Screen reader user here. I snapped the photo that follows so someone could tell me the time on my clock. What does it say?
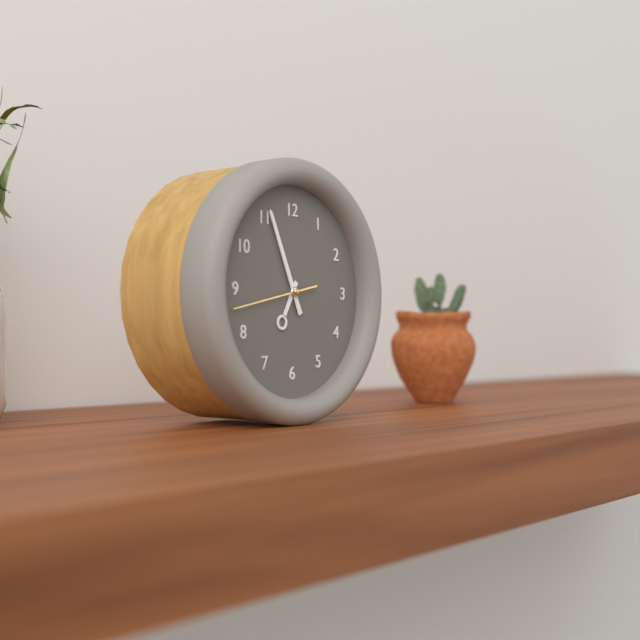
6:56
